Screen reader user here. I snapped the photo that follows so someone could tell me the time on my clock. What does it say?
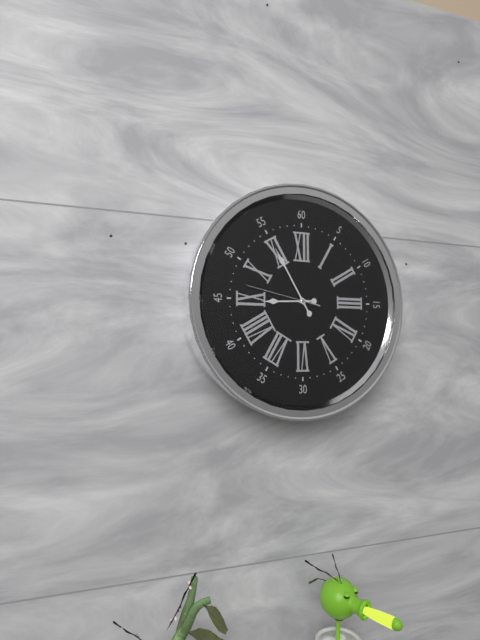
8:55:47
